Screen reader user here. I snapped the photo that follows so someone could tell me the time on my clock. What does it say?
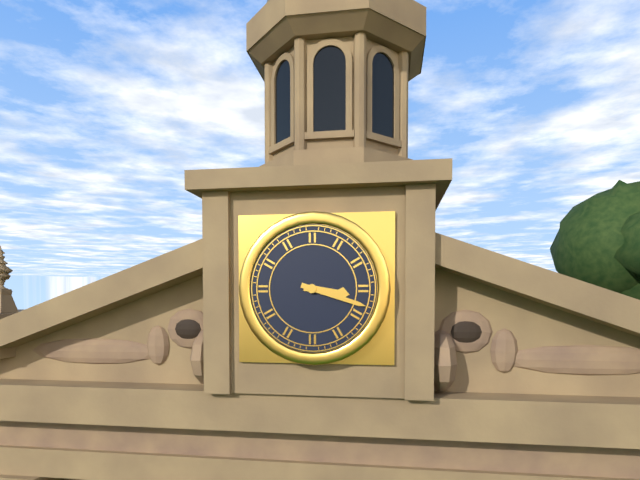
3:18
